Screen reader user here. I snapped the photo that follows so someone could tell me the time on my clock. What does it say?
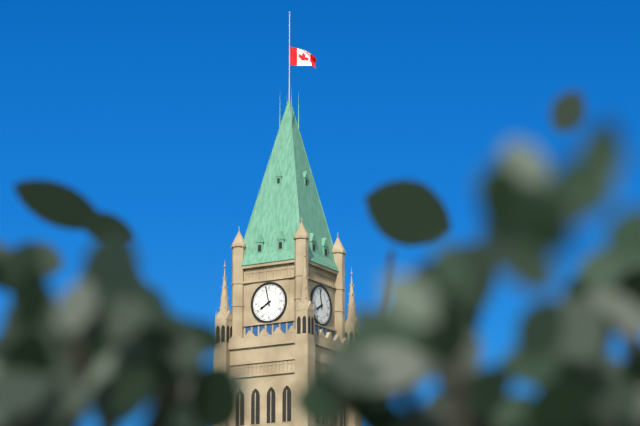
7:58
